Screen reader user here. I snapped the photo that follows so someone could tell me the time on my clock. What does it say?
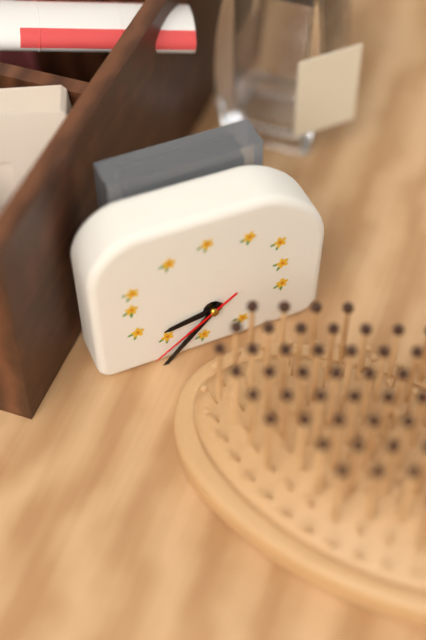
8:37:39
